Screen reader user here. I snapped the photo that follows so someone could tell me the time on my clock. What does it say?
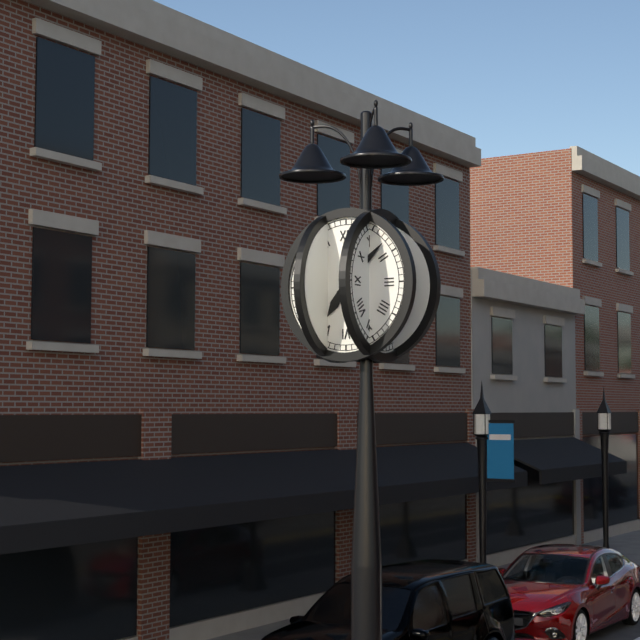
7:08
